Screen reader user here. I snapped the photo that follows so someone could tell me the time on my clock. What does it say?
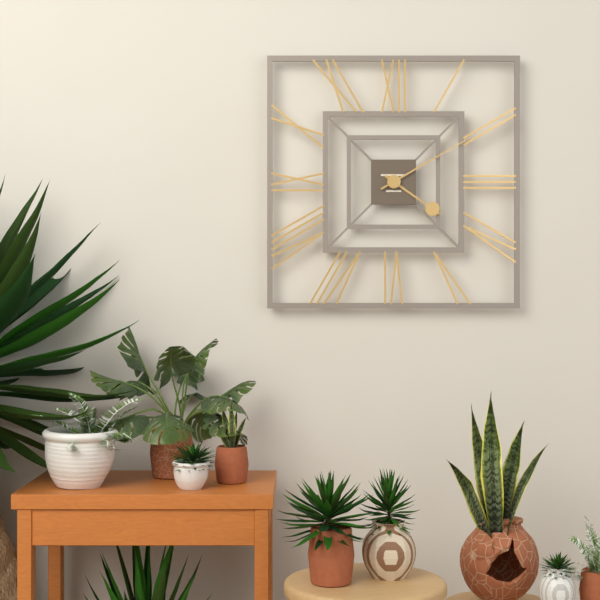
4:10
